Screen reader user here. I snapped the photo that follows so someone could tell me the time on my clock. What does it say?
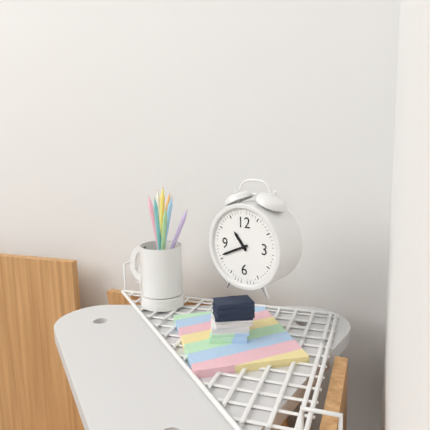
10:41
